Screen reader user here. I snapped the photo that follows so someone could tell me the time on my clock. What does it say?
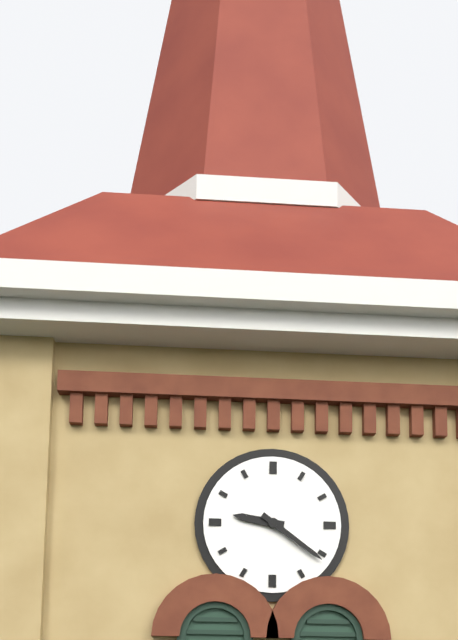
9:21
